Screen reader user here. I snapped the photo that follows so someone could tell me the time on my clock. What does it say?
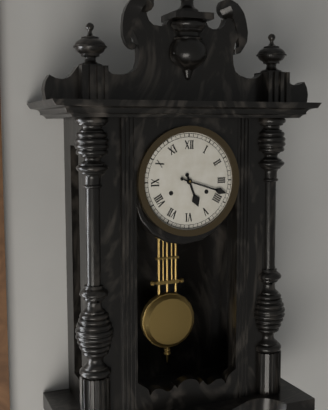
5:18
